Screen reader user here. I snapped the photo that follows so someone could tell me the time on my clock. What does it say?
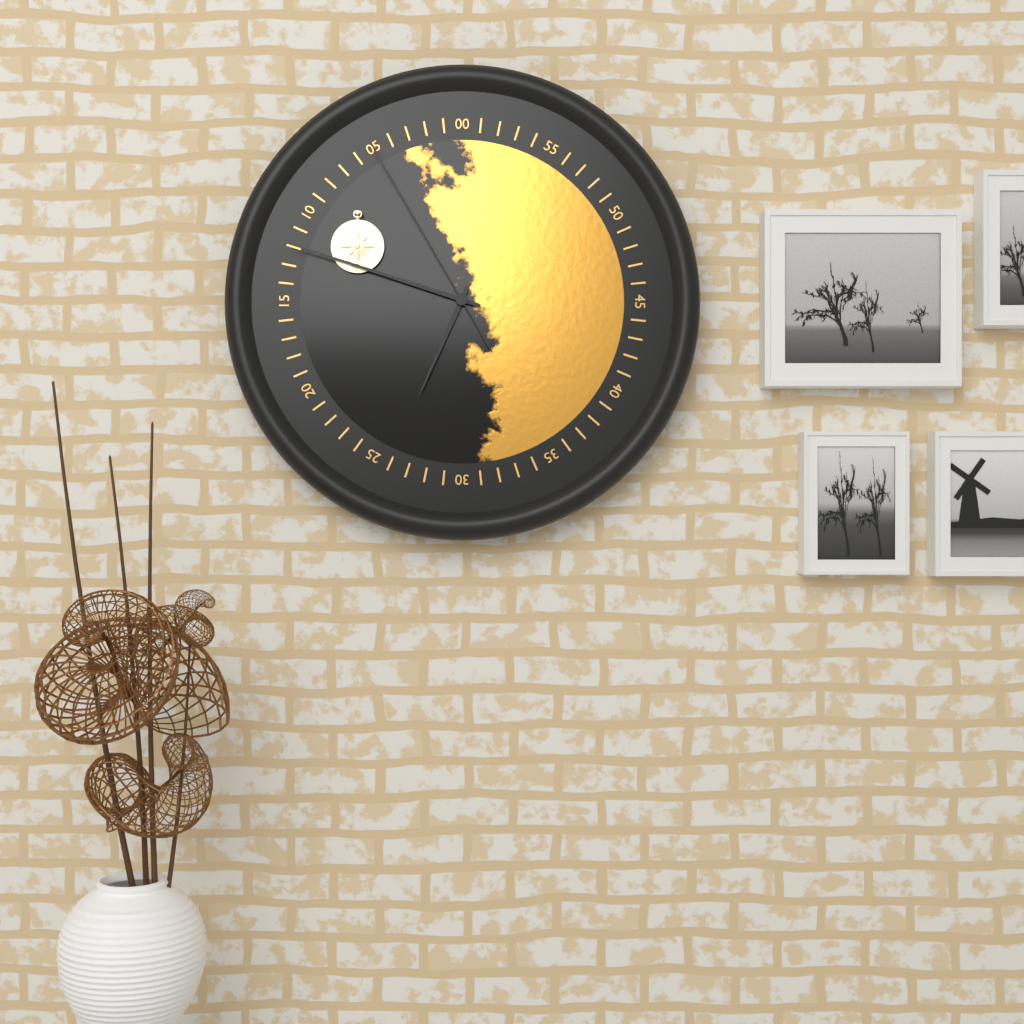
6:48:55
